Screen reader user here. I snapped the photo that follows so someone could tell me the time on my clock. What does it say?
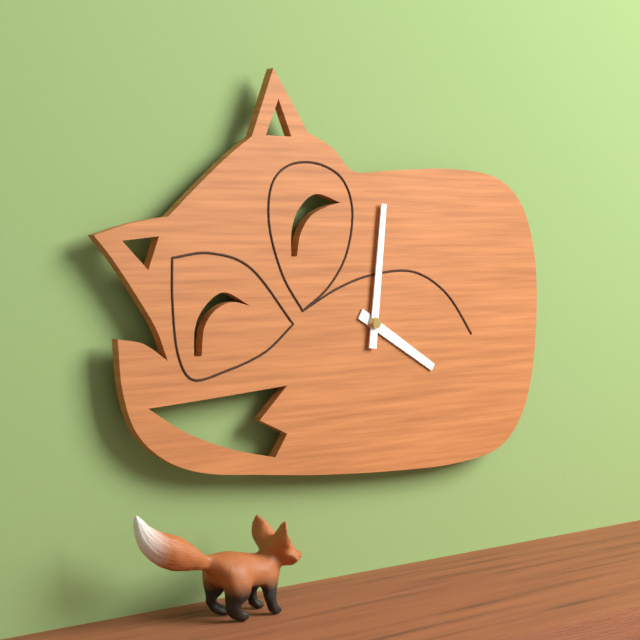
4:01
